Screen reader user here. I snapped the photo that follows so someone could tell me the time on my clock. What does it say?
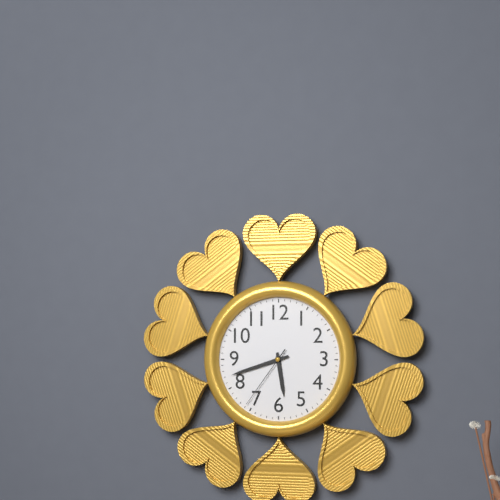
5:42:36
